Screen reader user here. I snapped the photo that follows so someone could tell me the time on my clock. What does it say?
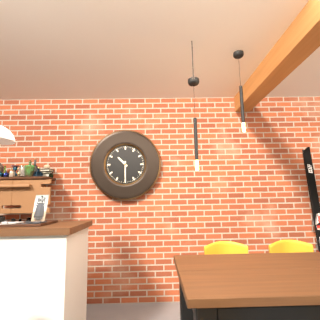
10:30
